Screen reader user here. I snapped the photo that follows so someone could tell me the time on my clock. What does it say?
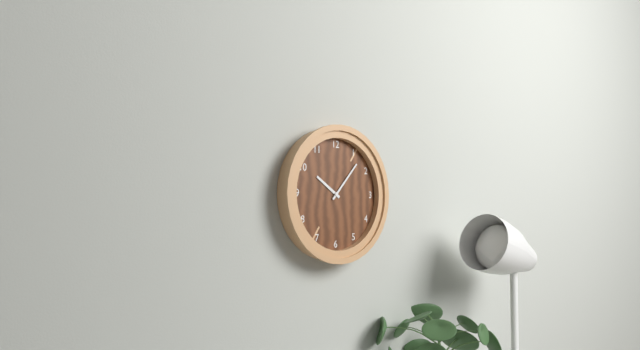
10:07
